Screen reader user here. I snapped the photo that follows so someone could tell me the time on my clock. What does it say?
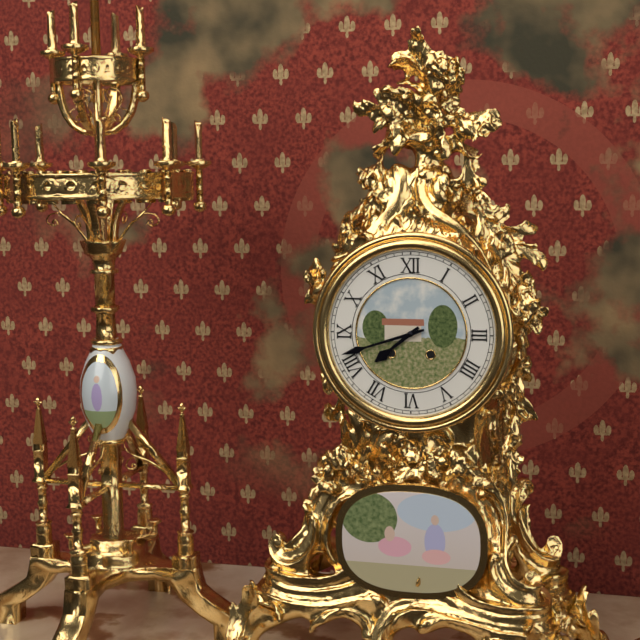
7:42
